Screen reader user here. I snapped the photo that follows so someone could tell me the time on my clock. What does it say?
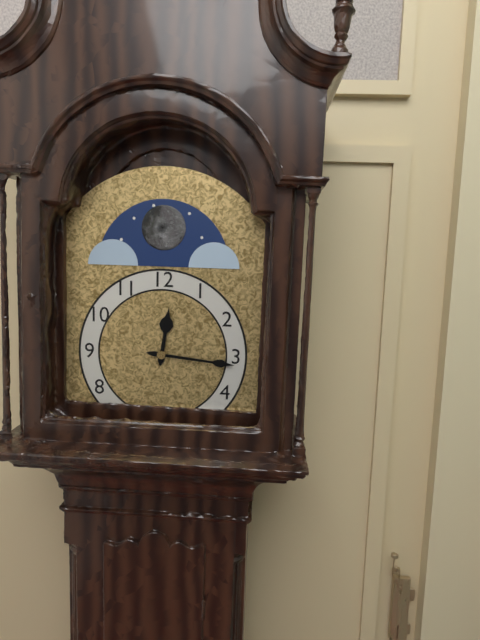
12:16
